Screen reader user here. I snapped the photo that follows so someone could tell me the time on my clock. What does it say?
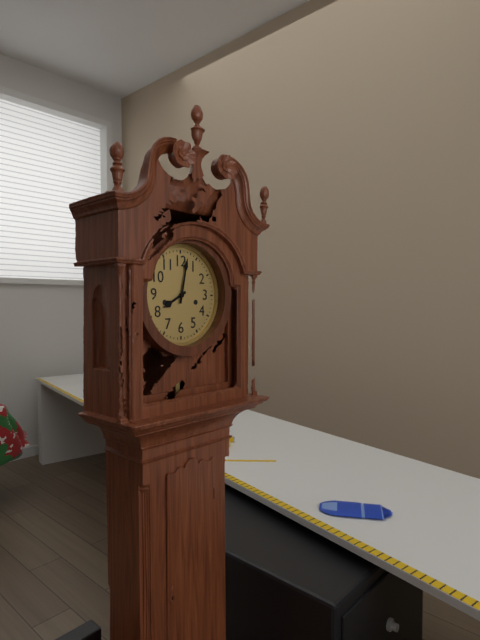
8:02
